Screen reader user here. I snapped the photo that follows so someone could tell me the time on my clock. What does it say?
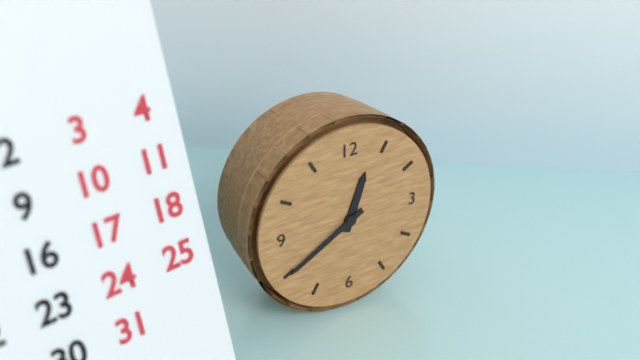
12:40
